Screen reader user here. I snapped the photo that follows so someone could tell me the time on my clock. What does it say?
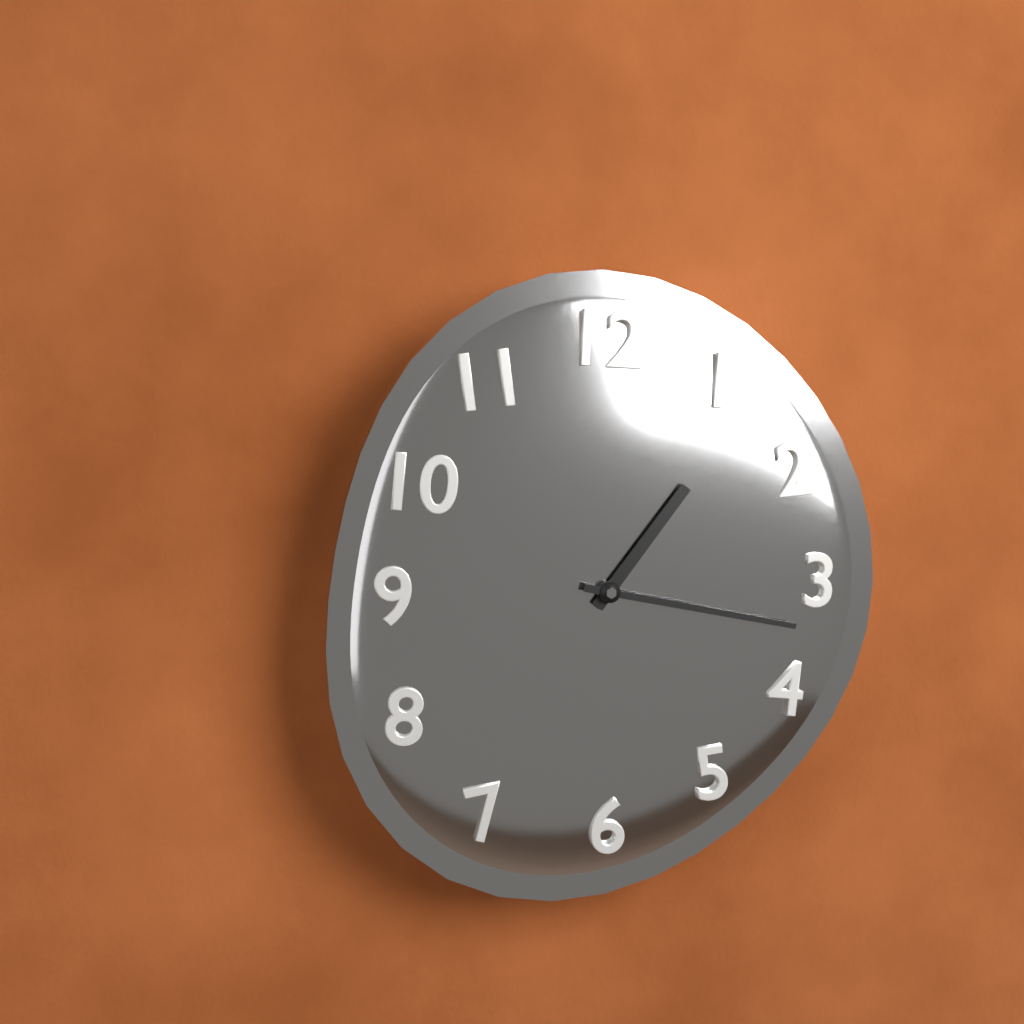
1:17
